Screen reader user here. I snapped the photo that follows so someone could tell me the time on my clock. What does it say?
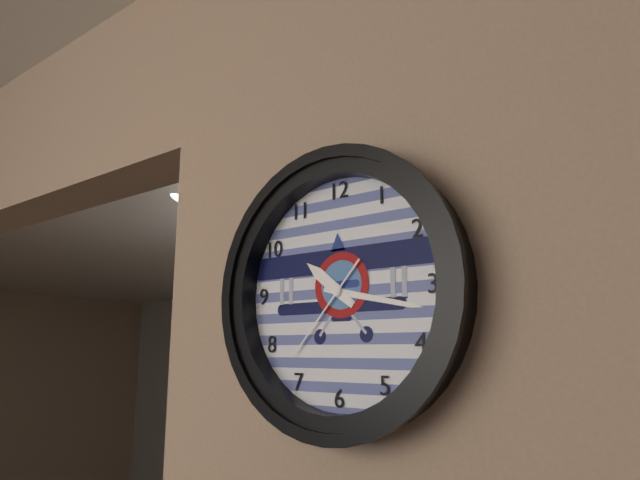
10:17:37
